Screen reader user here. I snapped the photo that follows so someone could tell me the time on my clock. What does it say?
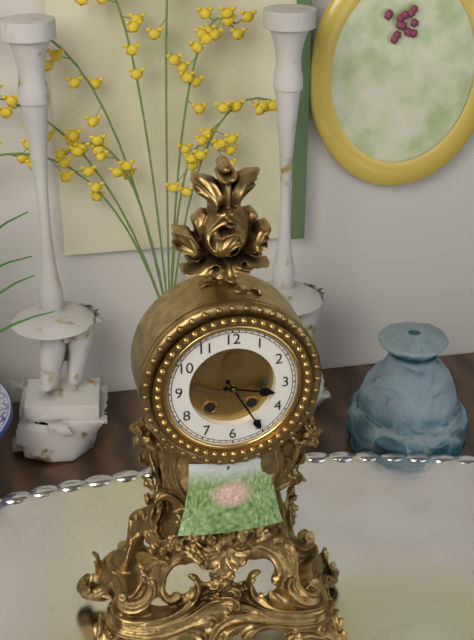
3:25
